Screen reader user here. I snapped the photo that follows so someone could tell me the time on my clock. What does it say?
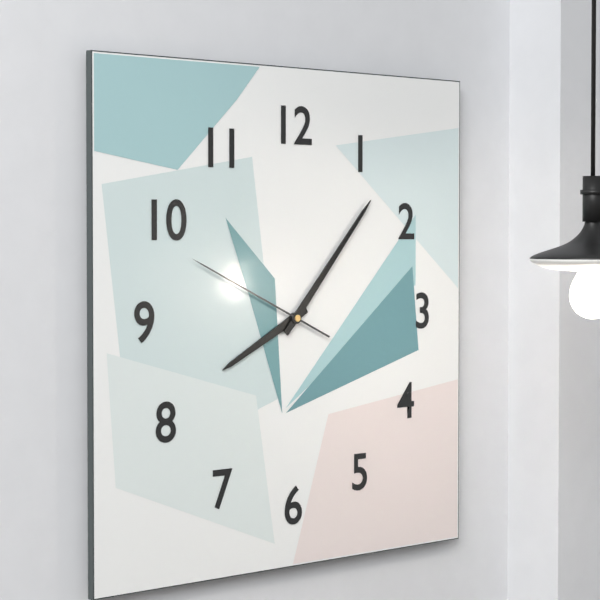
8:07:49
